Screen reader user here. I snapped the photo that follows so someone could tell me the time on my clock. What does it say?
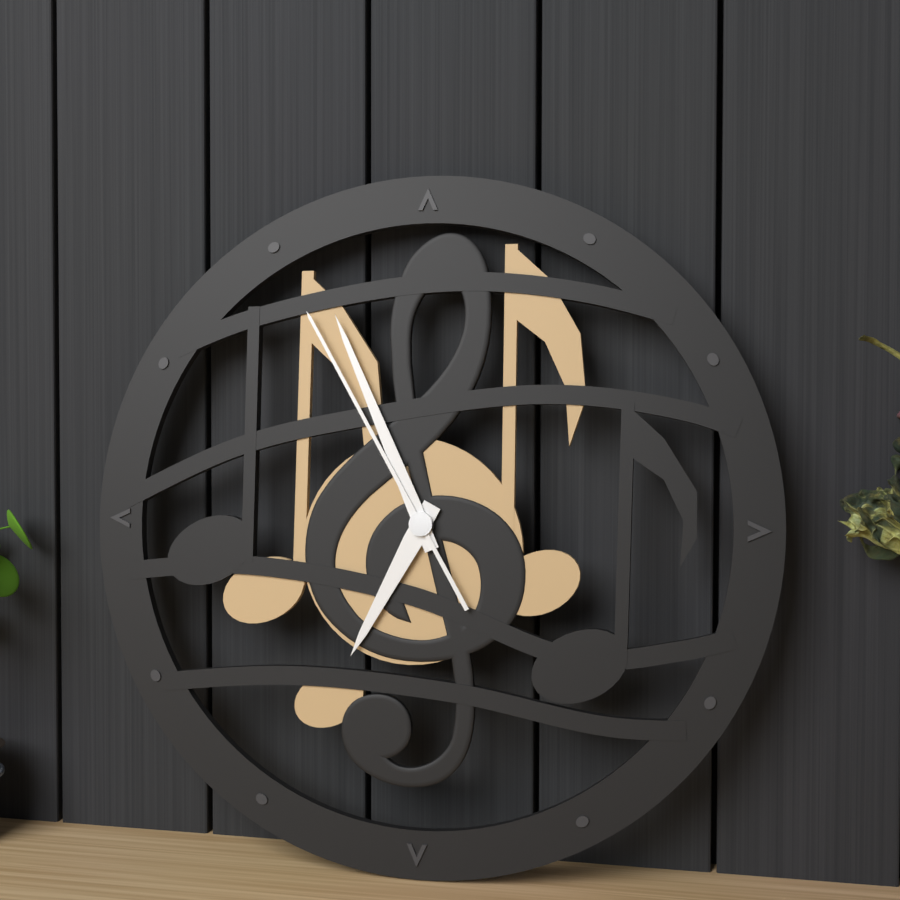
6:56:55
